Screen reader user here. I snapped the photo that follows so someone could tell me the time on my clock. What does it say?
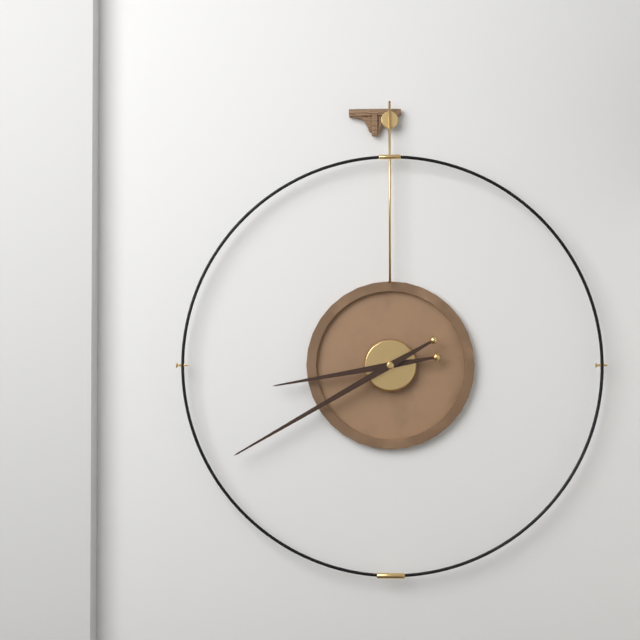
8:40
